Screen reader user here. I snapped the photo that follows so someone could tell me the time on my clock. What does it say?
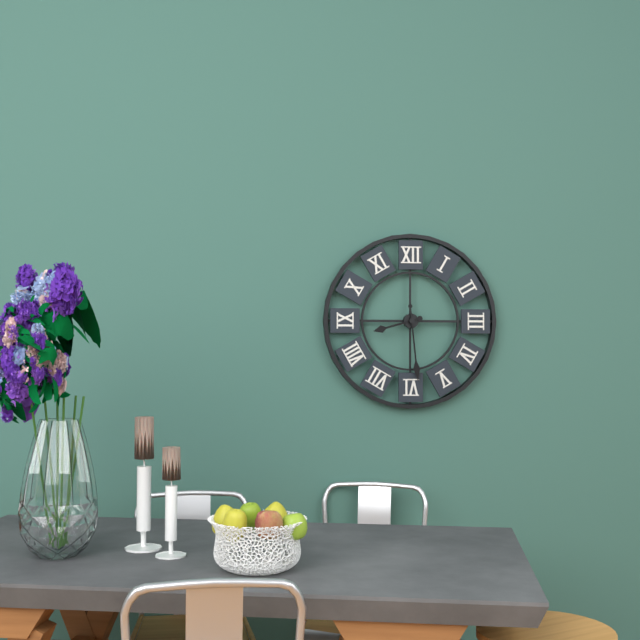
8:29
